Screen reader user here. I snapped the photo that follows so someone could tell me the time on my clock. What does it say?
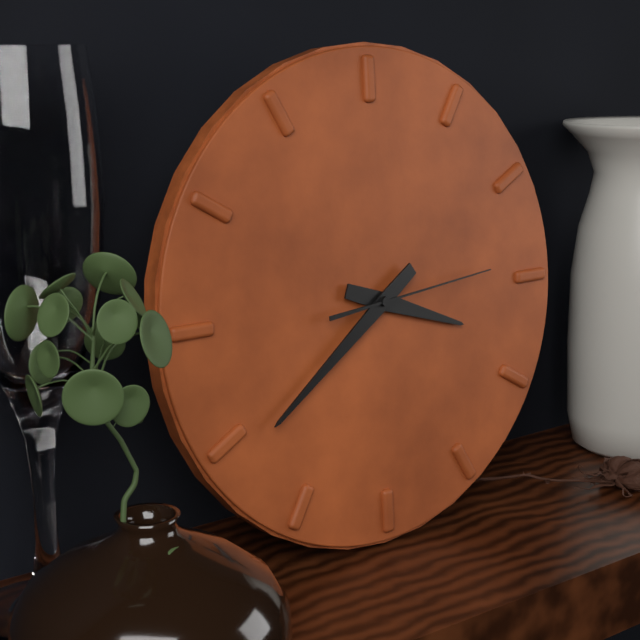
3:39:14
